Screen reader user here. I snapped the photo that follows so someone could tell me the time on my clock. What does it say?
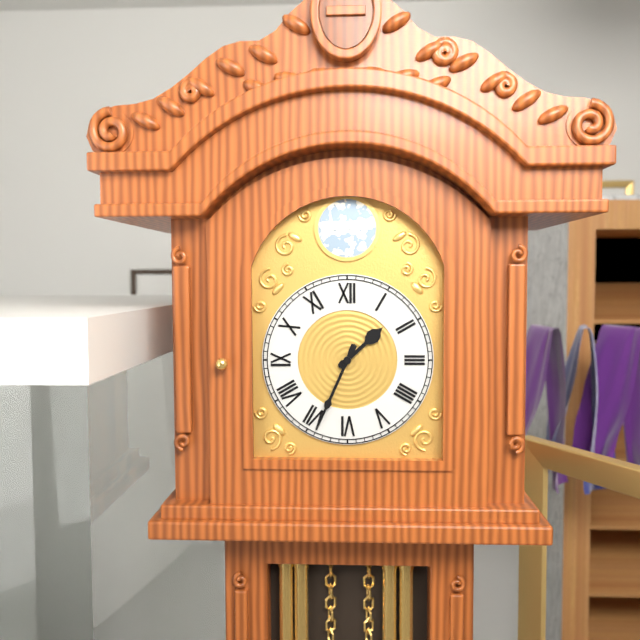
1:34
